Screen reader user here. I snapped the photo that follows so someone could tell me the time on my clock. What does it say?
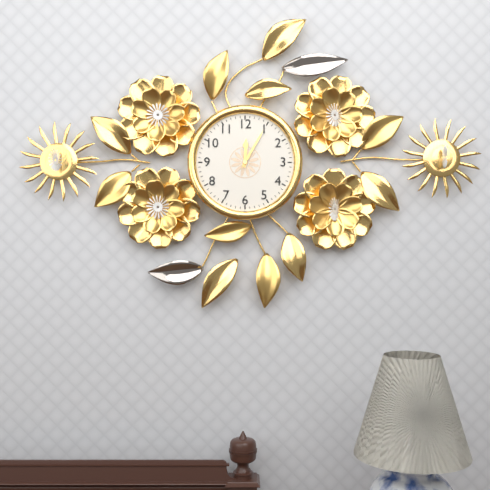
12:05
